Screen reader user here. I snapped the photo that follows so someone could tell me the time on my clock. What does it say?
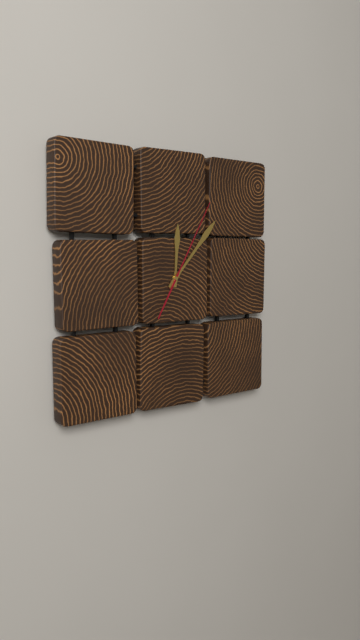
12:07:05
